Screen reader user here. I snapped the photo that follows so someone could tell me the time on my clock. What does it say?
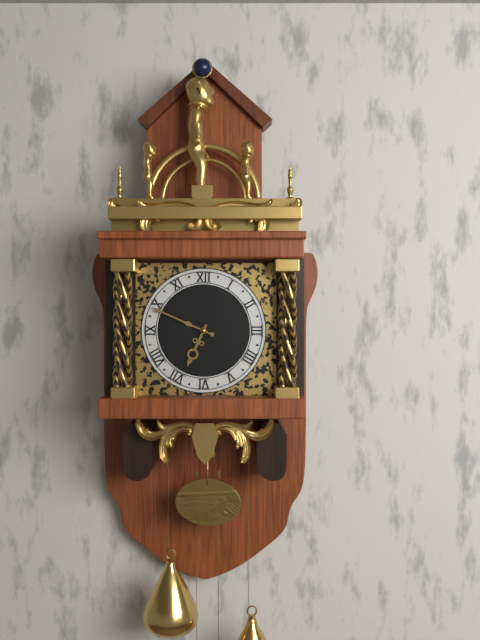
6:49
